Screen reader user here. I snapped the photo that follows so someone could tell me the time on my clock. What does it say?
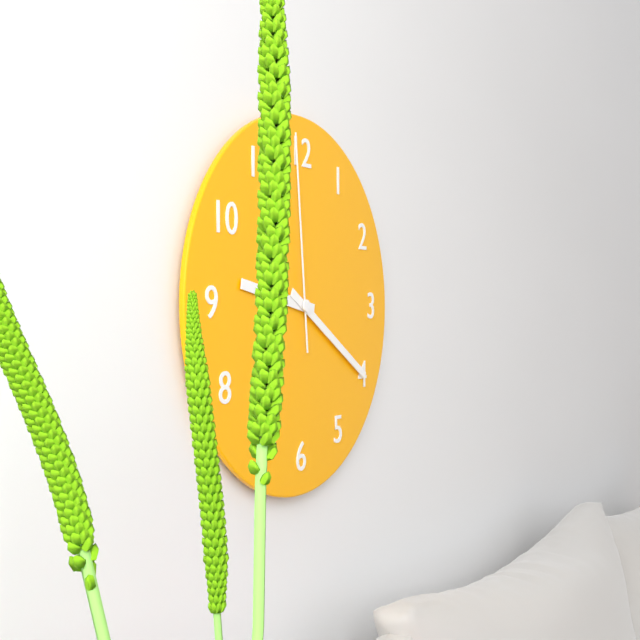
9:20:59
